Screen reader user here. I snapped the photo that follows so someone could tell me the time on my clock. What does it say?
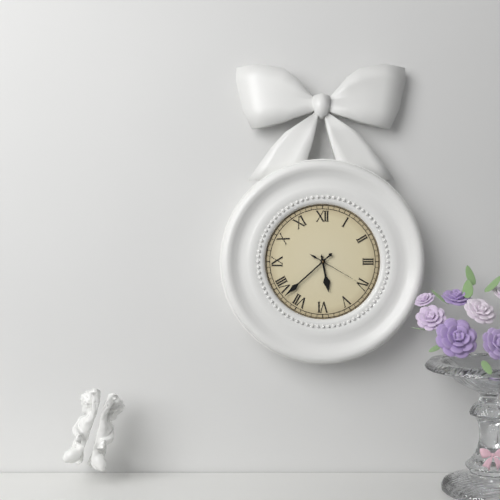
5:38:20
